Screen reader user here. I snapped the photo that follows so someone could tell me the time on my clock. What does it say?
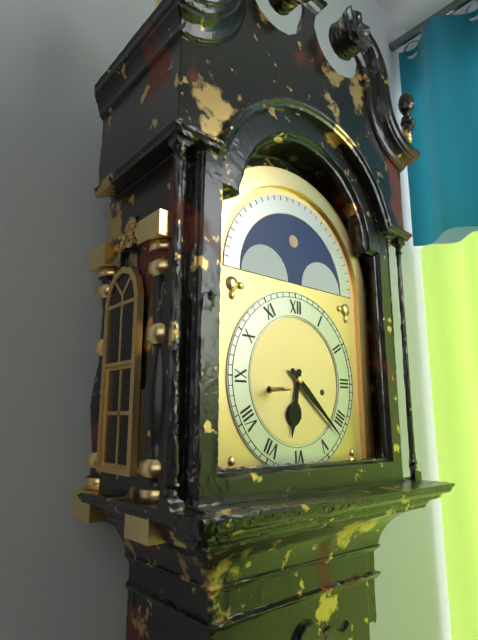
6:22
